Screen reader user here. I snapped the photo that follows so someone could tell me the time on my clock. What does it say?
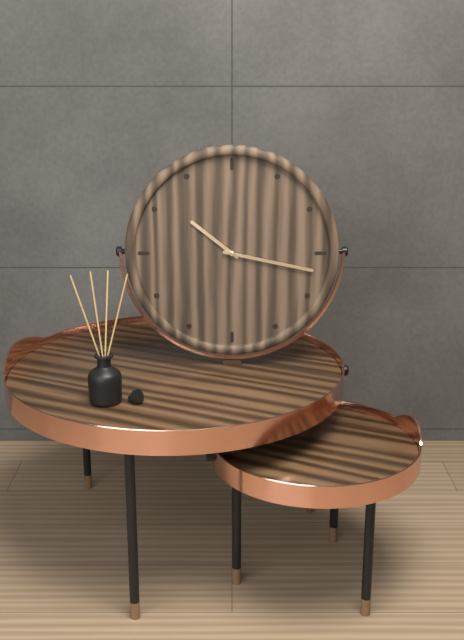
10:17
